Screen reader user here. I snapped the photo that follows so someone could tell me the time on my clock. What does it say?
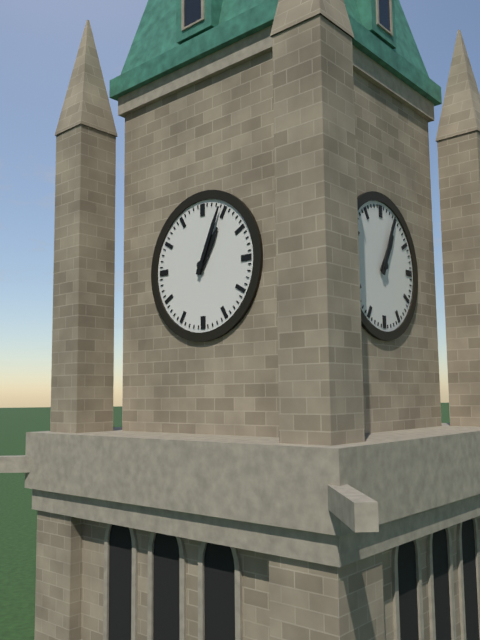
1:04
